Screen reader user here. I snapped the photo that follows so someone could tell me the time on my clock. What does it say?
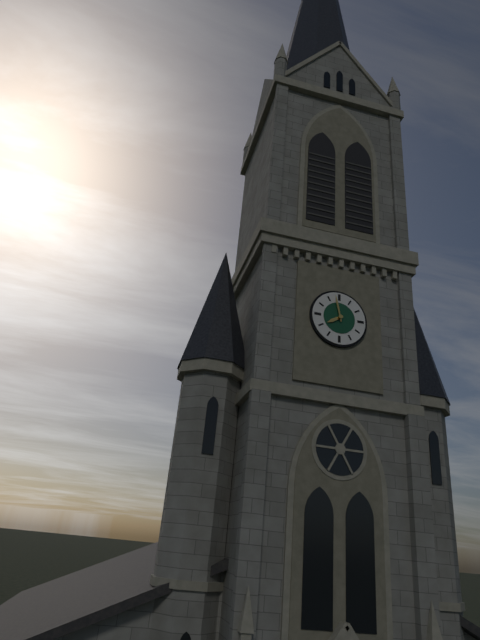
7:58
